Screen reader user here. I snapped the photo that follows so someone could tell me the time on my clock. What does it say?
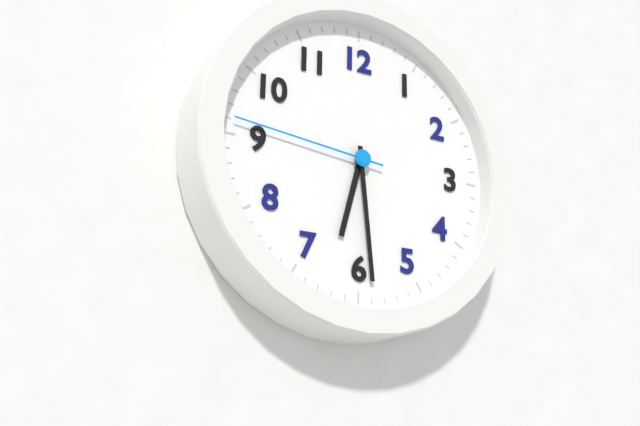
6:29:46
